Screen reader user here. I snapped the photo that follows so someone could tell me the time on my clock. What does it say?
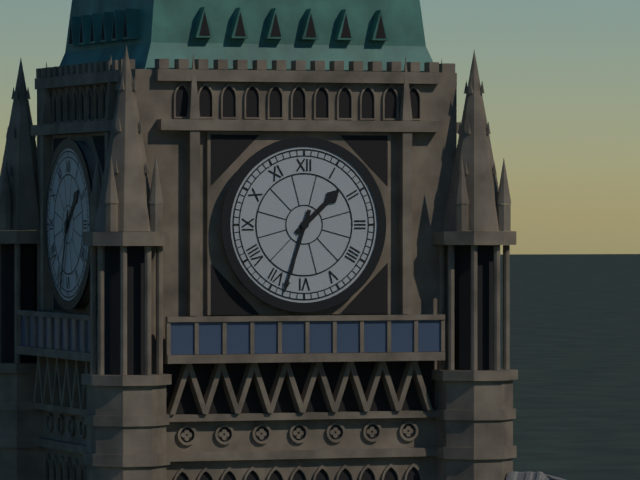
1:33
